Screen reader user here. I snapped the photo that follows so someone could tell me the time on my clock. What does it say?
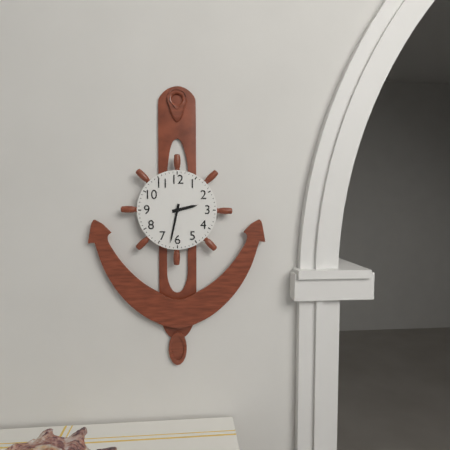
2:32
